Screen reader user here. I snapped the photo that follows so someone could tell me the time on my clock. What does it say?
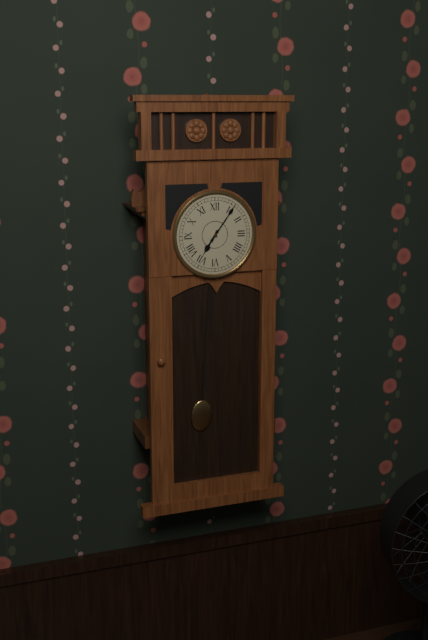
7:06
